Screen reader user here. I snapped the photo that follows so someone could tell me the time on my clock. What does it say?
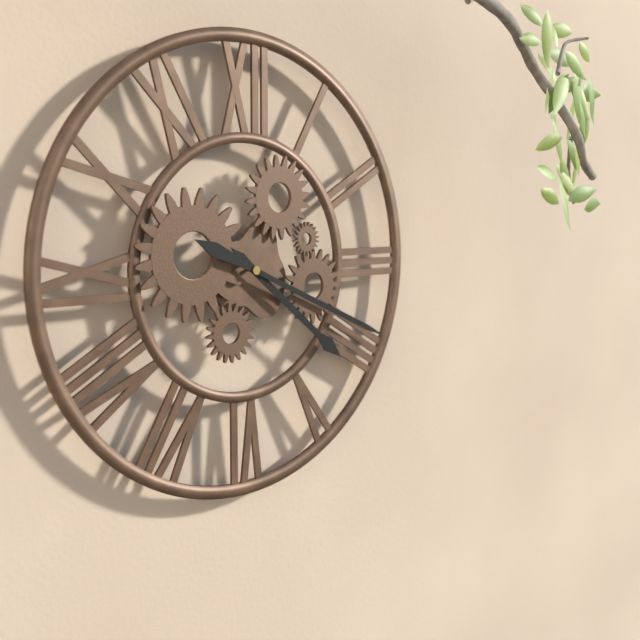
4:19
